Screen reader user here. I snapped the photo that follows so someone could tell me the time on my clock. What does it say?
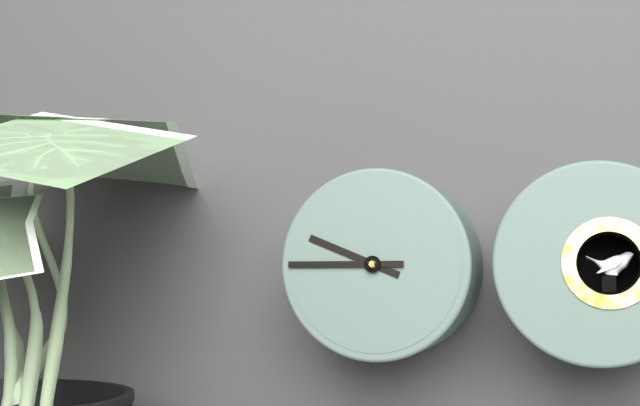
9:45
